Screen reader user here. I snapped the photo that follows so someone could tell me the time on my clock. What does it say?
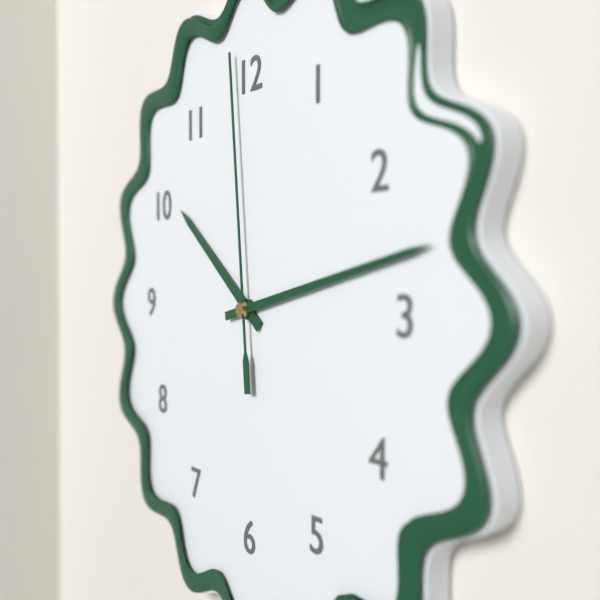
10:13:59
